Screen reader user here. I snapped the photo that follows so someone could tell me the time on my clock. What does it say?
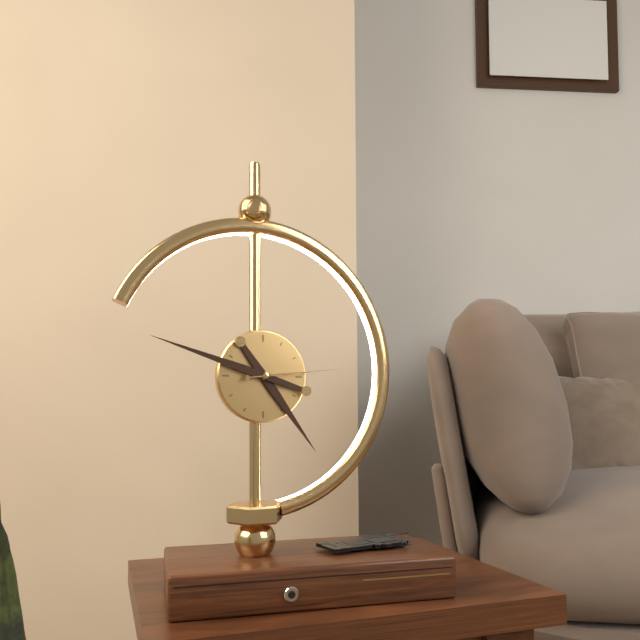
4:48:14
